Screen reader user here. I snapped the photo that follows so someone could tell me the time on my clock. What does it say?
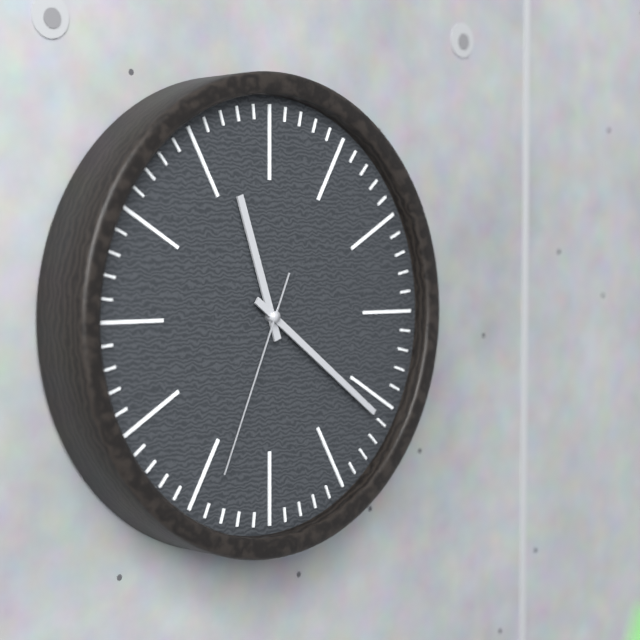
11:21:34
